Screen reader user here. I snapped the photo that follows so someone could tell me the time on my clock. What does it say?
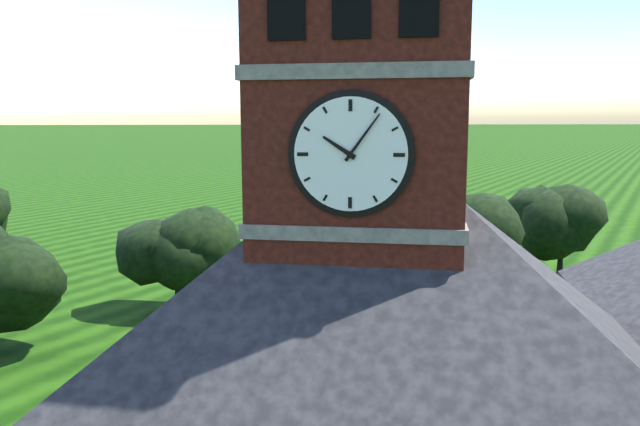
10:06
